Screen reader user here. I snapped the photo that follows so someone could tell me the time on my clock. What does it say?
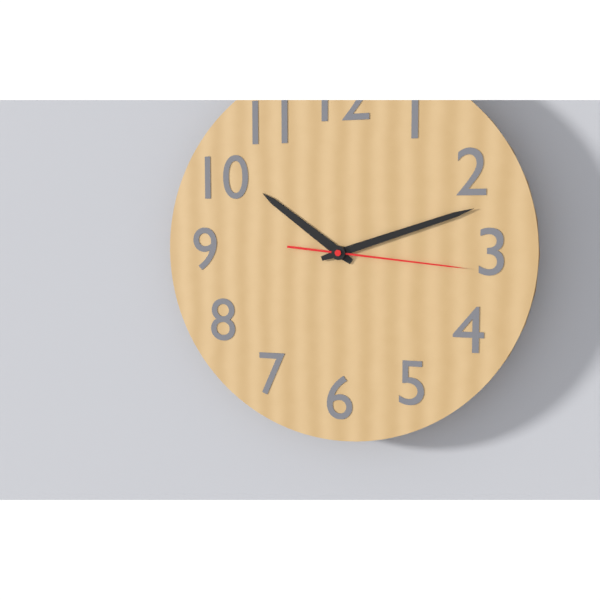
10:12:16
